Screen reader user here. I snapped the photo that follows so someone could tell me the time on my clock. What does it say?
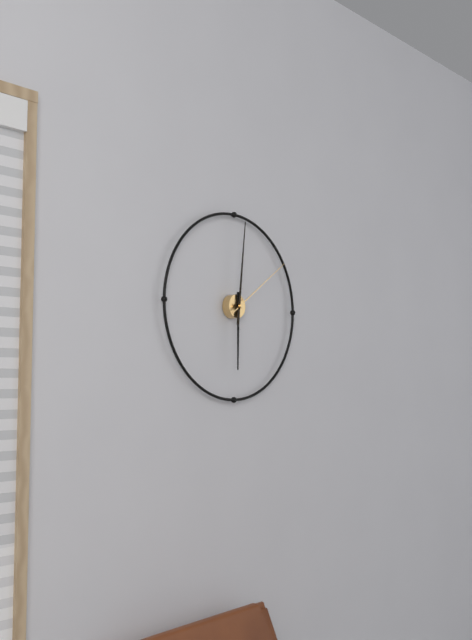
6:01:09
